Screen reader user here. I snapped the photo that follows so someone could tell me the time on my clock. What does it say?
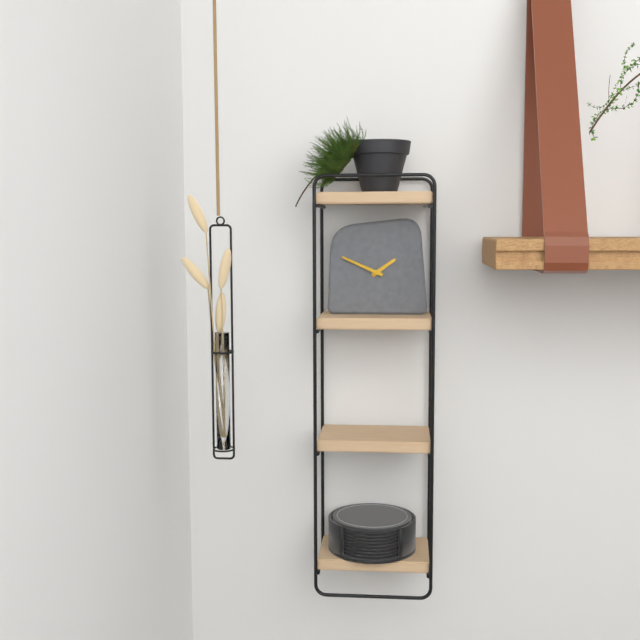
1:49
